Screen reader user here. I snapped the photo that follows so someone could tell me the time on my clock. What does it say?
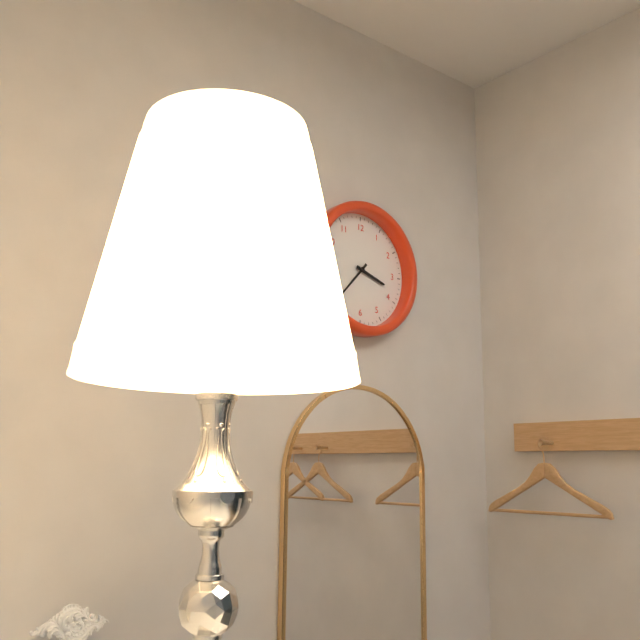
3:37
